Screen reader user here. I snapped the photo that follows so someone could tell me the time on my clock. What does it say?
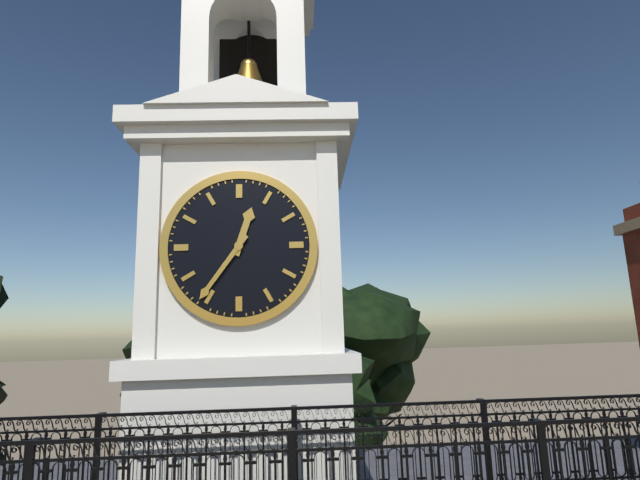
12:36
